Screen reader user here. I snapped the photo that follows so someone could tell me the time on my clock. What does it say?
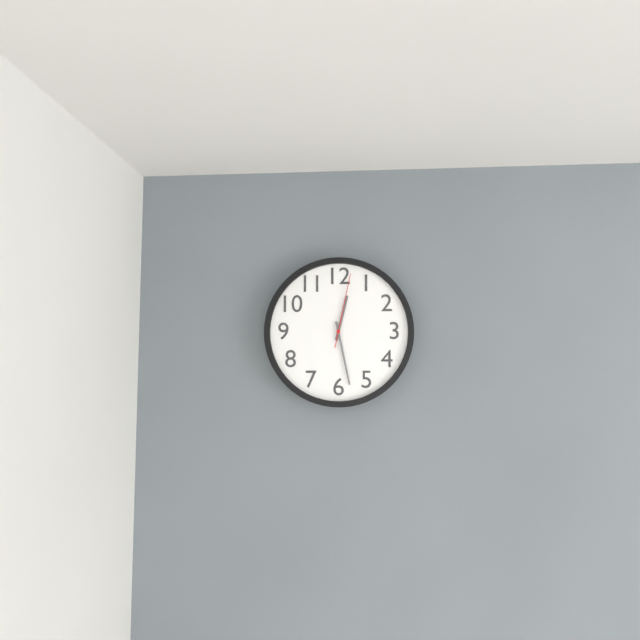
12:28:02
